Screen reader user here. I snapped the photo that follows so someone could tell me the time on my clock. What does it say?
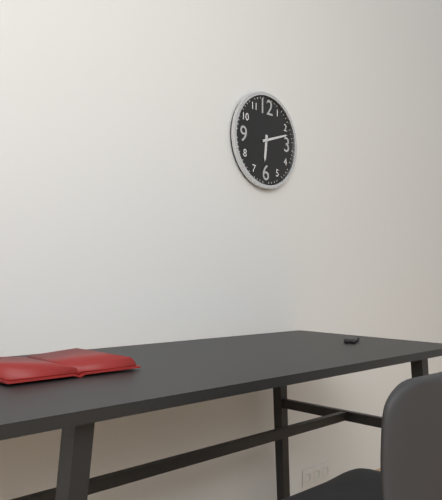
6:12
